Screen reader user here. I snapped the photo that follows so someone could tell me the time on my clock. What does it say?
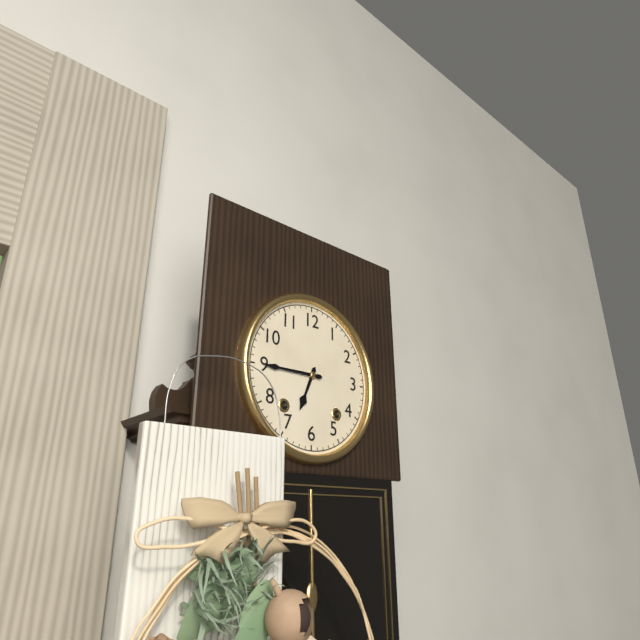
6:45
